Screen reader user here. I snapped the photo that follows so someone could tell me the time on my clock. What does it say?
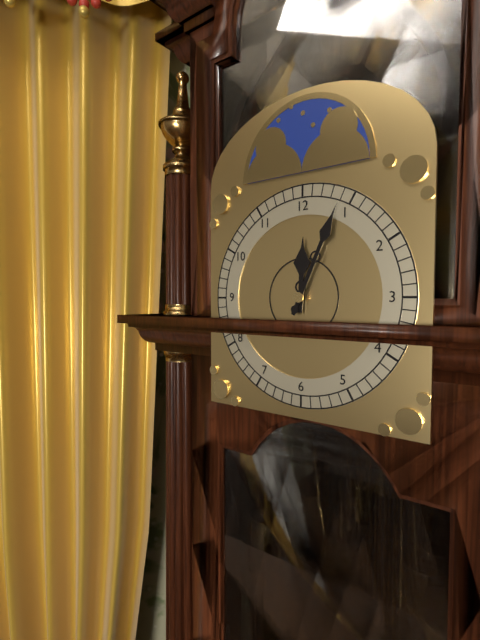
12:04
